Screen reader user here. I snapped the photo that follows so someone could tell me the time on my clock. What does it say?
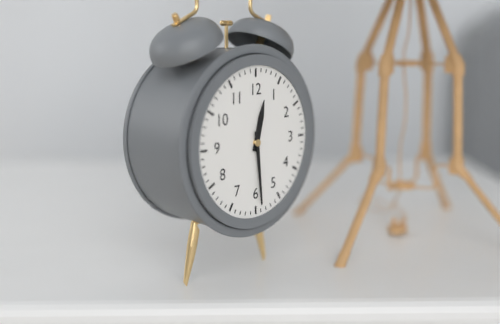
12:29
